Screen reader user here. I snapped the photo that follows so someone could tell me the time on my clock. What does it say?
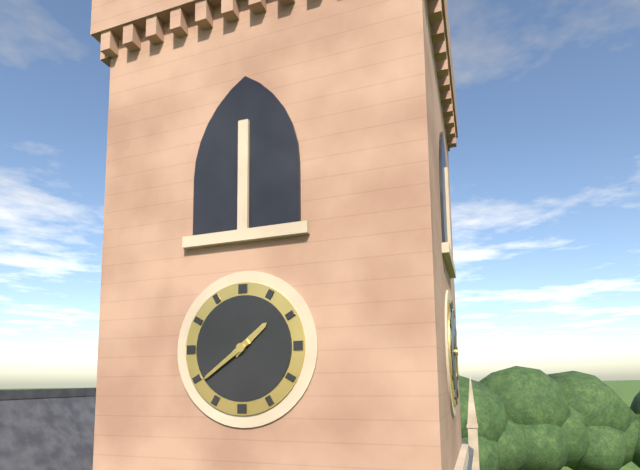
1:39
